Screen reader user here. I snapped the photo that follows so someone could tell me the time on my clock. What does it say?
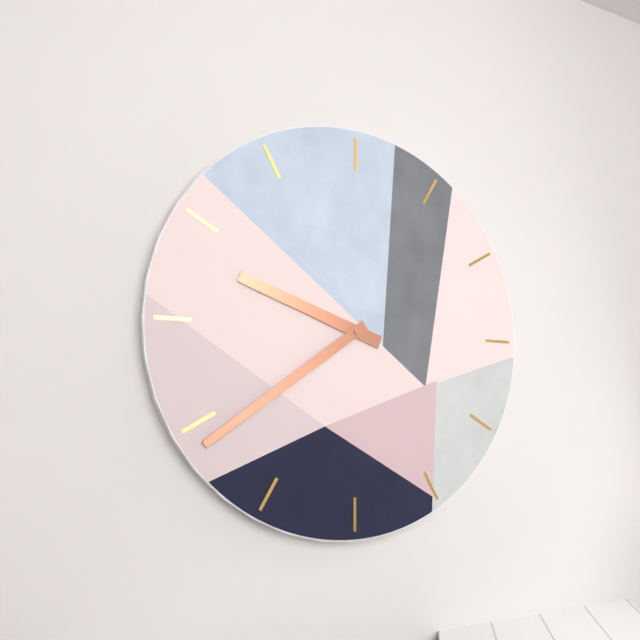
9:39
